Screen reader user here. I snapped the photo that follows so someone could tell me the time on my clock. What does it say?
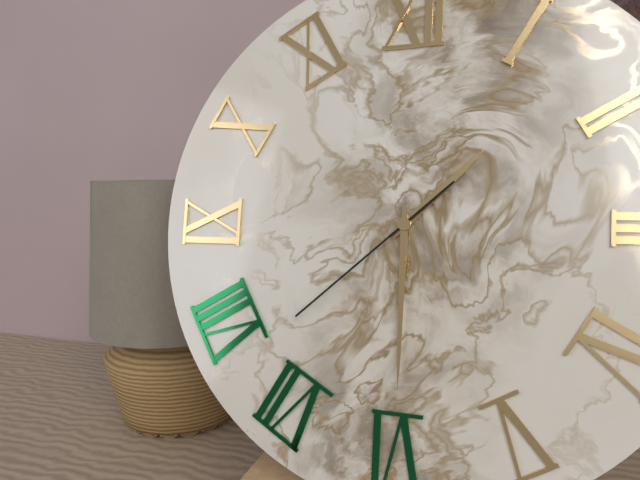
1:30:38
